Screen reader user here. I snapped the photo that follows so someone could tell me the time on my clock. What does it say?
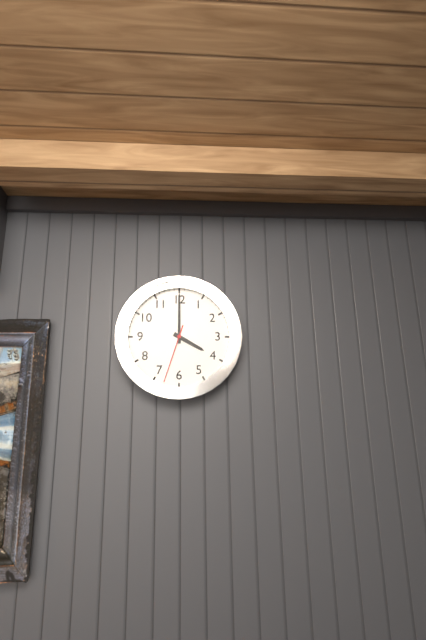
4:00:33
